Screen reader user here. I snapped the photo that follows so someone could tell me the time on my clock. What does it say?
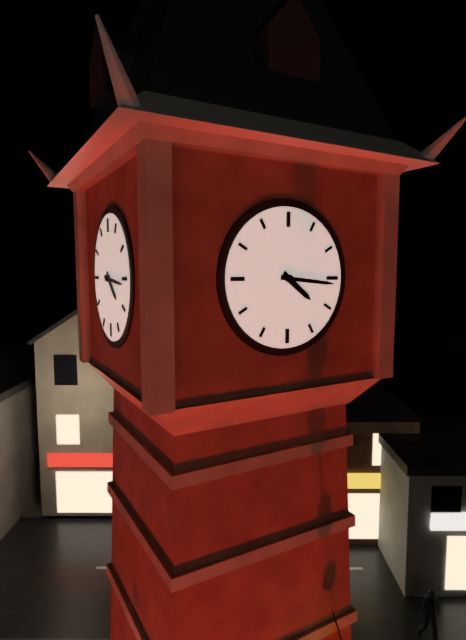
4:16
